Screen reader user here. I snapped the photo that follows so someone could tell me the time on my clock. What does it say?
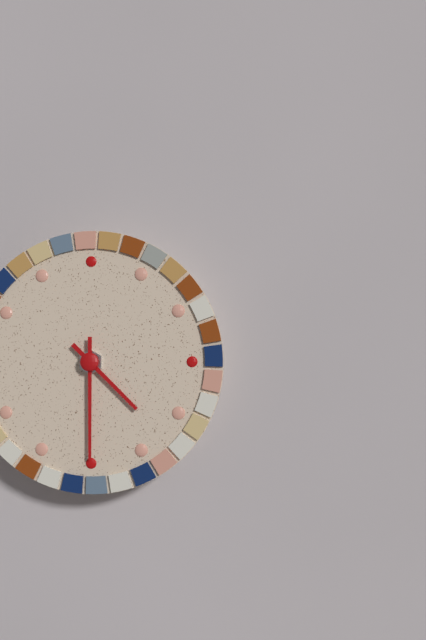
4:30
